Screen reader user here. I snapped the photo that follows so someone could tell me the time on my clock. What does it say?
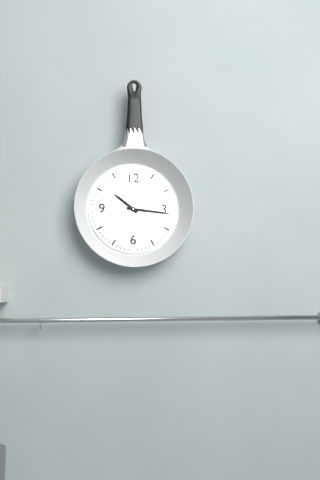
10:16
